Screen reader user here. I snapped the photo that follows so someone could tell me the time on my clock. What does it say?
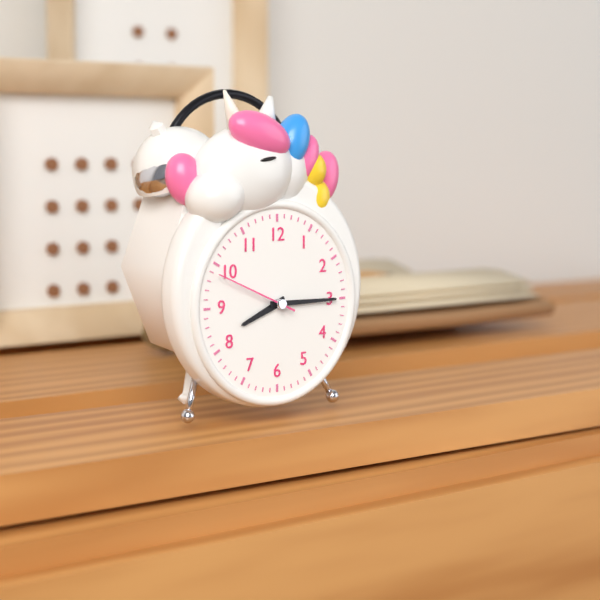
8:15:49
